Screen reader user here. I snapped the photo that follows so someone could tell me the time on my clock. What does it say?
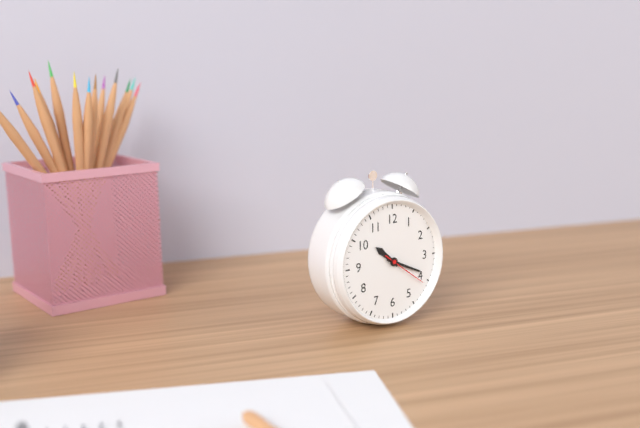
10:19
